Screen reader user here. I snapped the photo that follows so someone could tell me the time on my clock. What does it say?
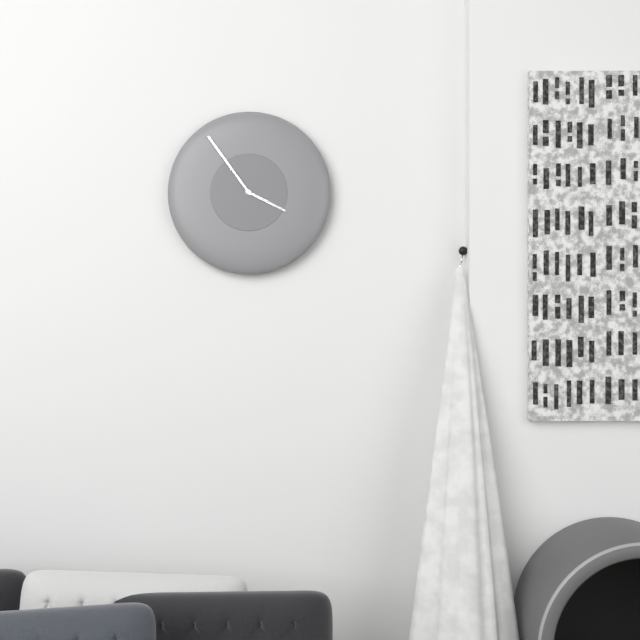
3:54
